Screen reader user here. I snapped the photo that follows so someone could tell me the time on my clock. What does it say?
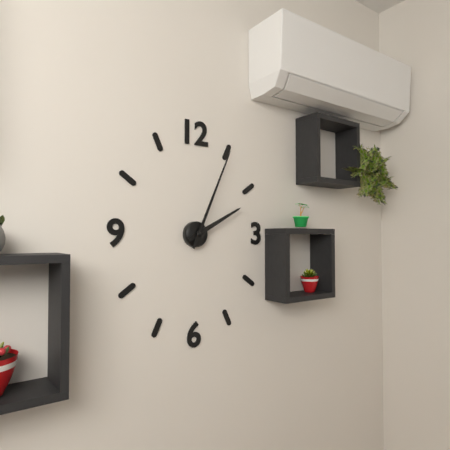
2:04
